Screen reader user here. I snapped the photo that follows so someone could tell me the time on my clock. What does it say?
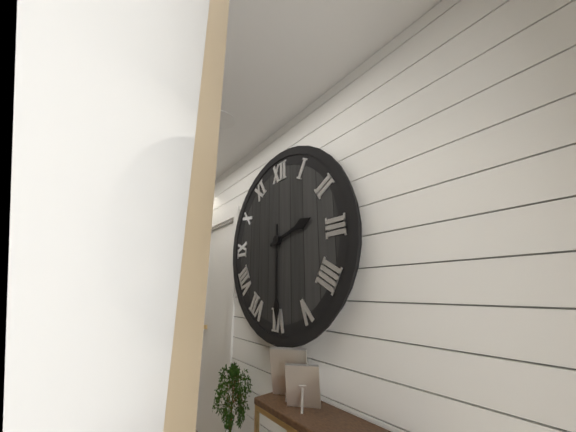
2:30
